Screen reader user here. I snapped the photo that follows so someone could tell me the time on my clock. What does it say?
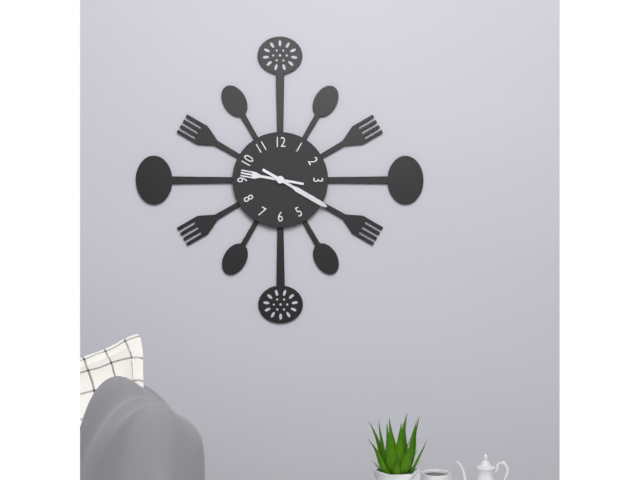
9:20
